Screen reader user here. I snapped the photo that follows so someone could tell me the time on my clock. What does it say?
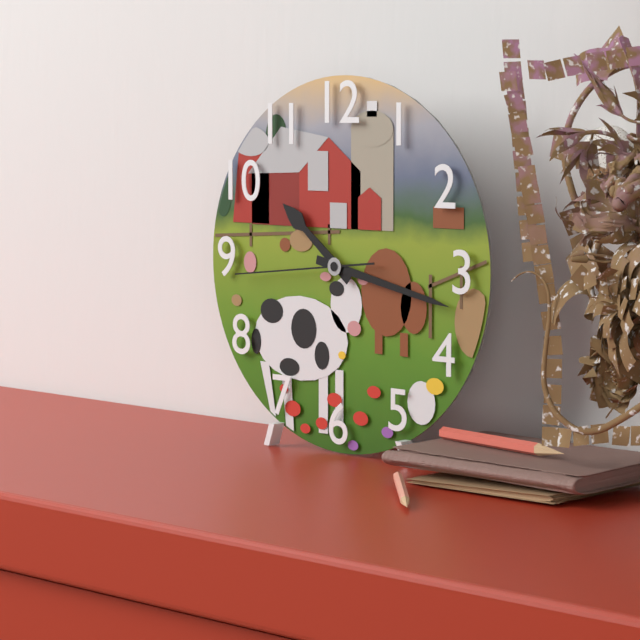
10:17:44
